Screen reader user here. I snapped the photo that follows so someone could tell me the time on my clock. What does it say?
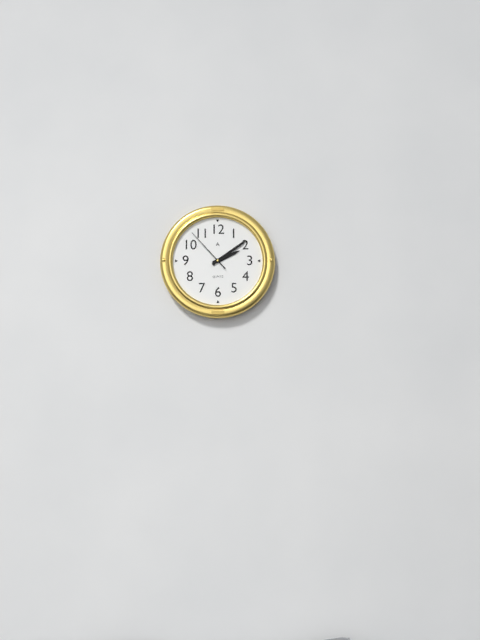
2:09:53
